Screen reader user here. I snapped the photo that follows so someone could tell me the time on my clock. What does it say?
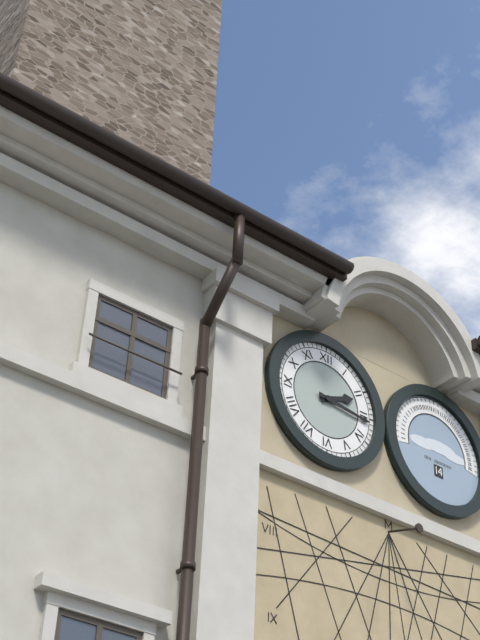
2:16
